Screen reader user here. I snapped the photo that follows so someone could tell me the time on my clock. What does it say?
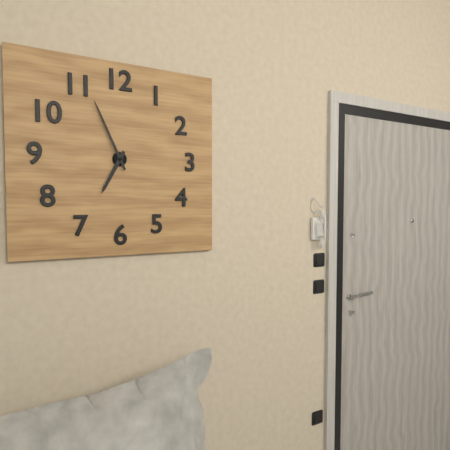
6:56
